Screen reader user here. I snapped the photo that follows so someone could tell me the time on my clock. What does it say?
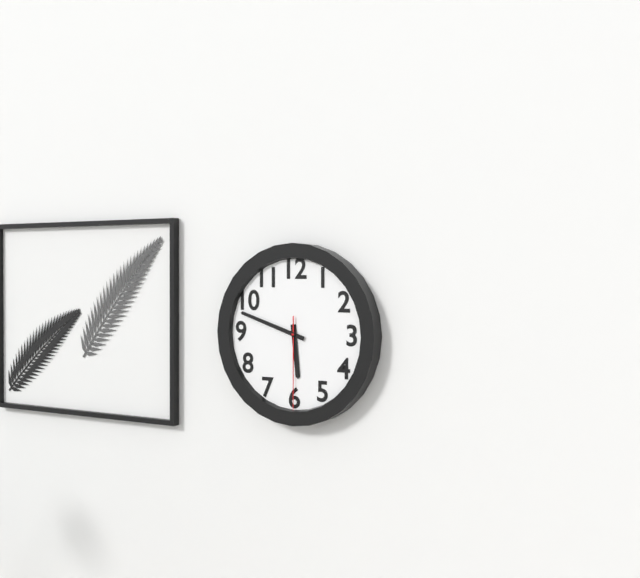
5:48:30
